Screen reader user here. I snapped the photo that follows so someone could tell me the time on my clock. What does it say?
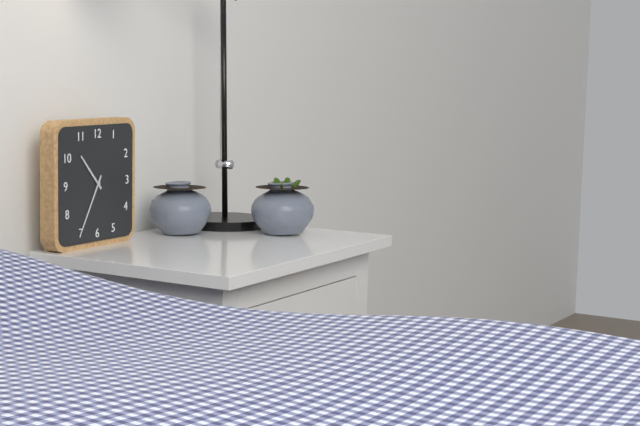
10:35
